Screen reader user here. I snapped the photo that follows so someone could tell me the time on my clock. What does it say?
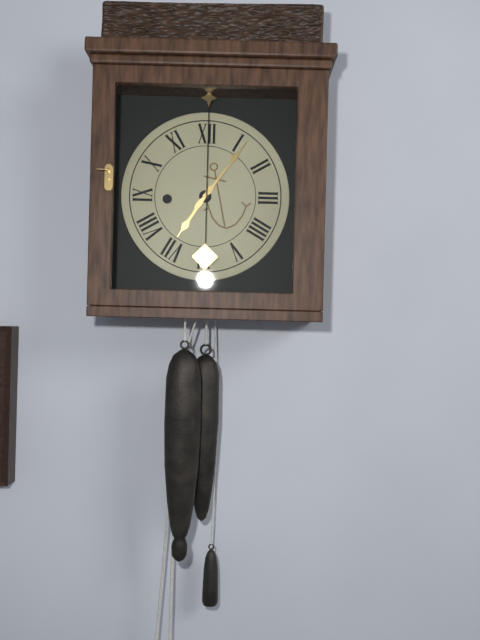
7:06
